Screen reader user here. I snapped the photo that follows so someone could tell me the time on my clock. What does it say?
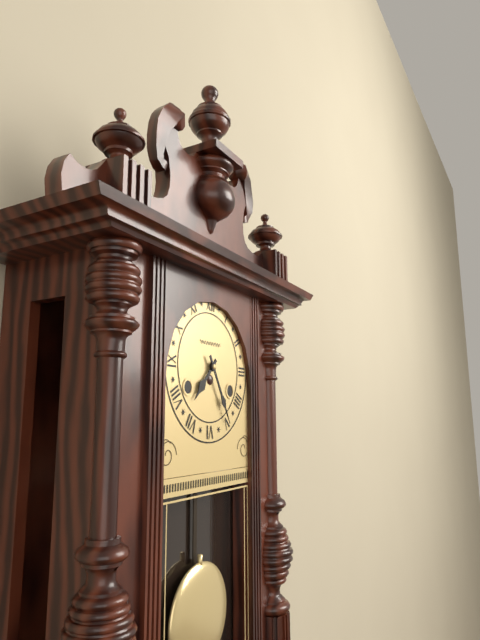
7:25
